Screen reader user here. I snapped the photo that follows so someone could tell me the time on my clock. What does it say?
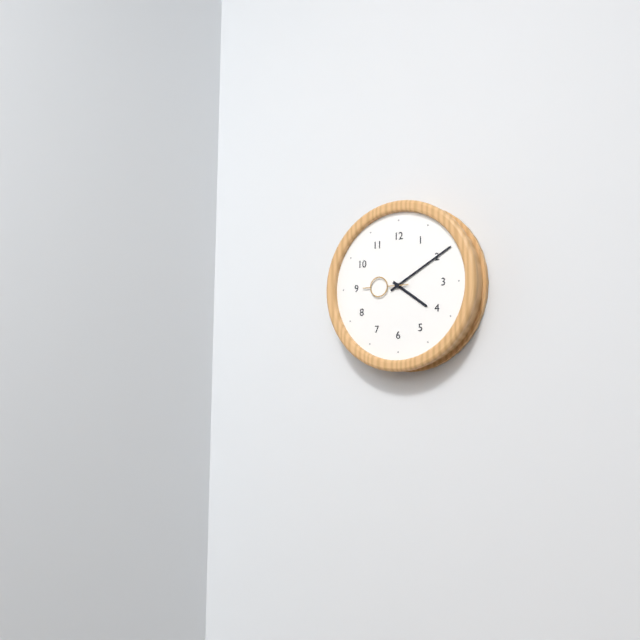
4:10
